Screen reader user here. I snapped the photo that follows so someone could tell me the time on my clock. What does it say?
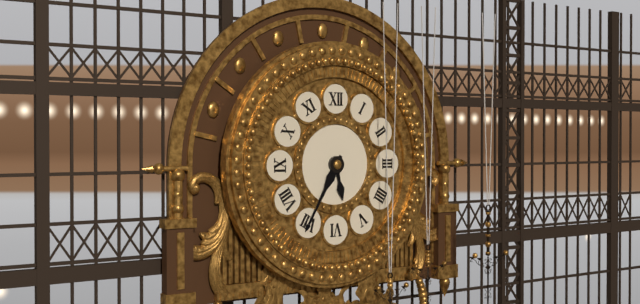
5:35
